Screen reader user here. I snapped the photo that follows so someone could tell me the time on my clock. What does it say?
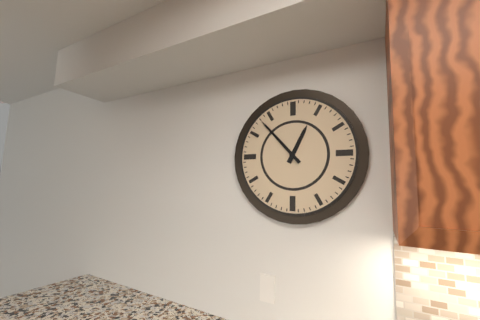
12:53
